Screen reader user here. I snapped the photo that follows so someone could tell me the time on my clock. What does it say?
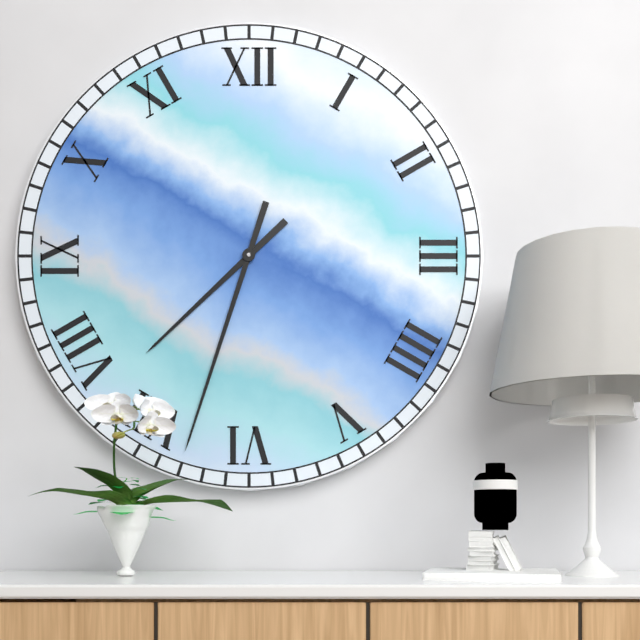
7:33
